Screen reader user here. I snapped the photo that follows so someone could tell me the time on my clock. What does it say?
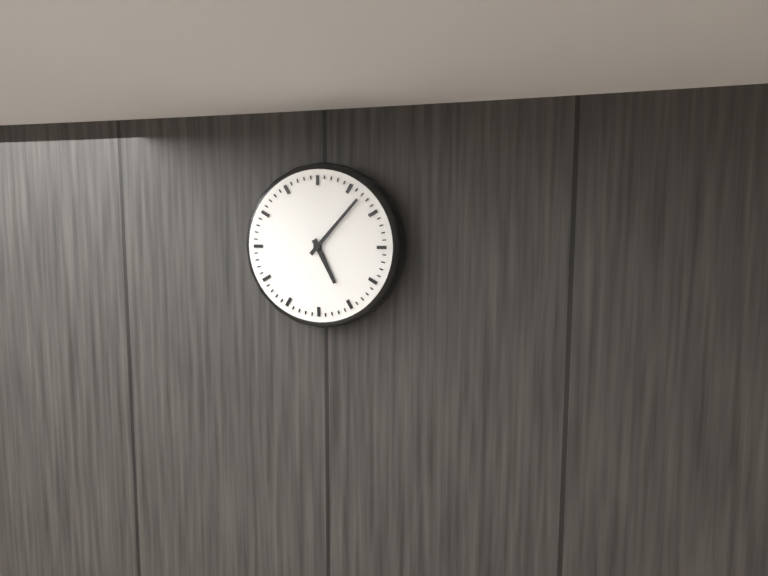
5:07
